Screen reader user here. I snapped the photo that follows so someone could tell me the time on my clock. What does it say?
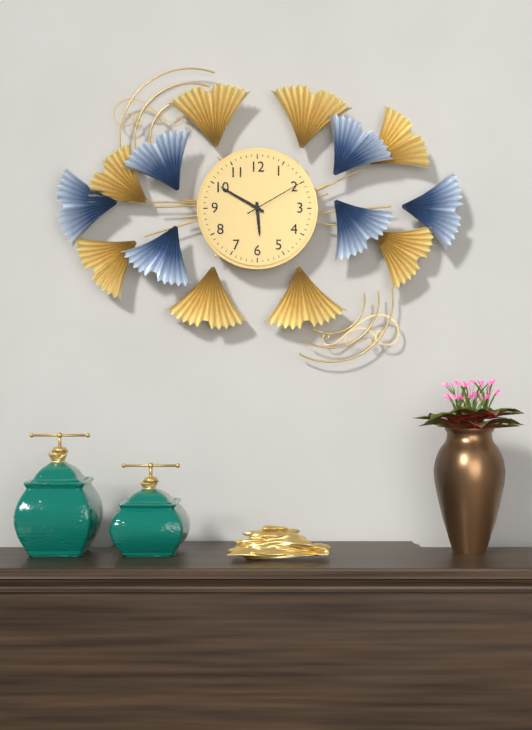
5:50:10
